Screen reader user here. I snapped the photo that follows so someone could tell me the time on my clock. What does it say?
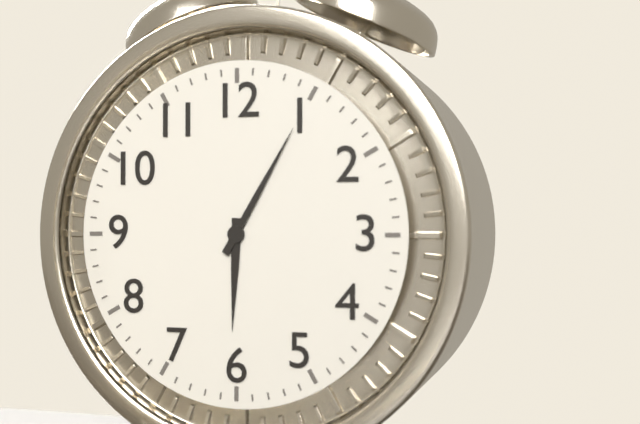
6:05
